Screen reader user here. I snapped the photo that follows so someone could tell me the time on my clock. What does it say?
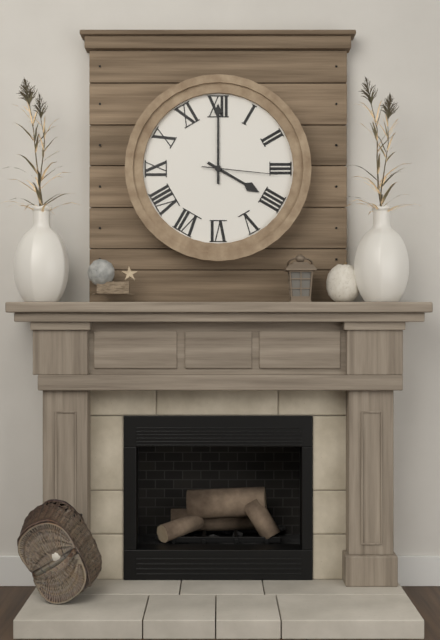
4:00:16
